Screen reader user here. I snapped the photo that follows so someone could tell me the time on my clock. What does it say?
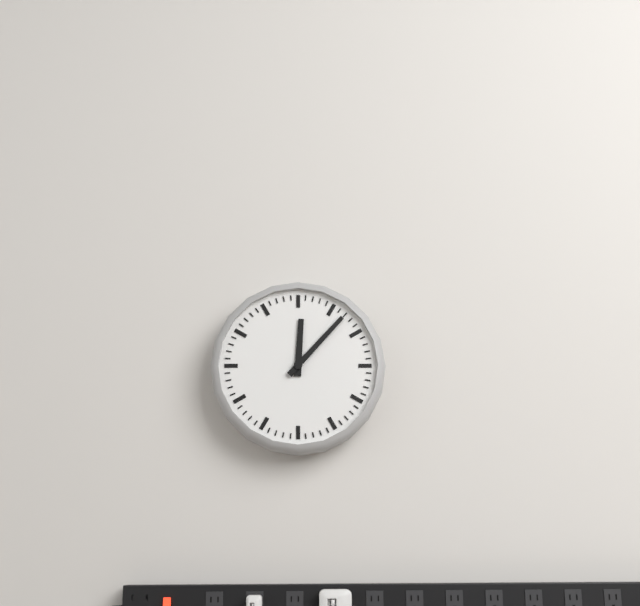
12:07
